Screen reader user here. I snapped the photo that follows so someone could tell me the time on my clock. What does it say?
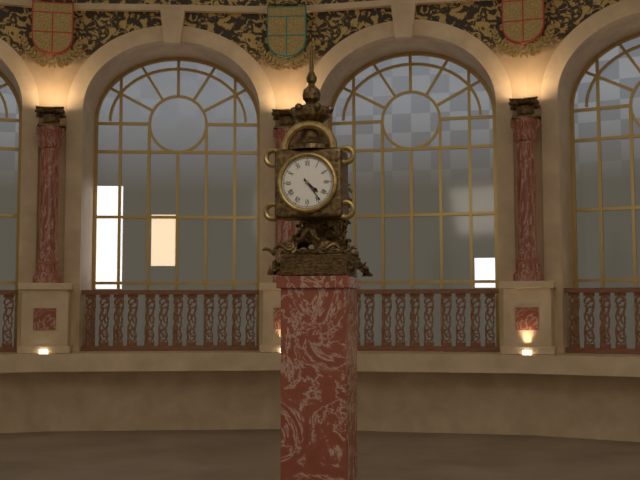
4:24
